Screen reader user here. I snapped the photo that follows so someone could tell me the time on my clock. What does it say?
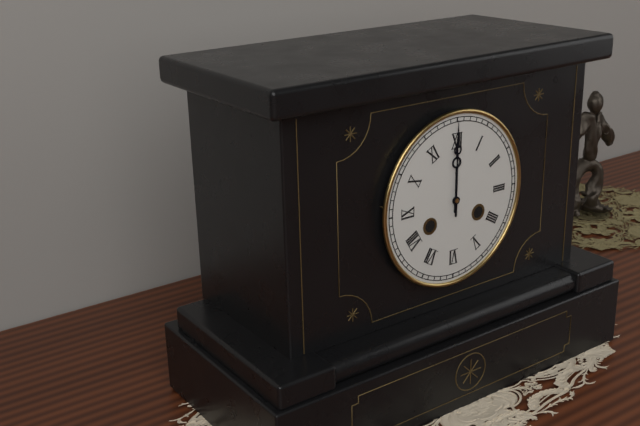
12:00
